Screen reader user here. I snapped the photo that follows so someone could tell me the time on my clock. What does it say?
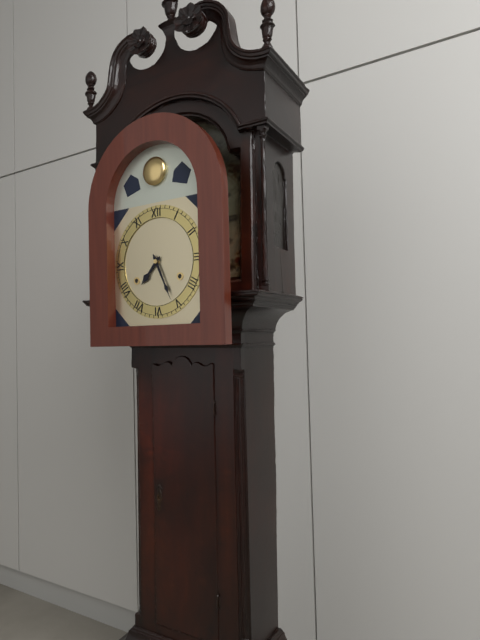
7:26
